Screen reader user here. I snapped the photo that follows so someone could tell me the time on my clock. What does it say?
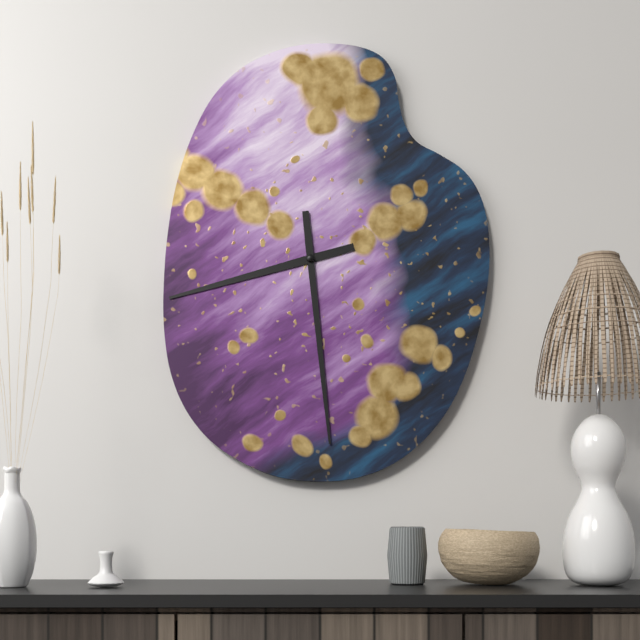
8:29
